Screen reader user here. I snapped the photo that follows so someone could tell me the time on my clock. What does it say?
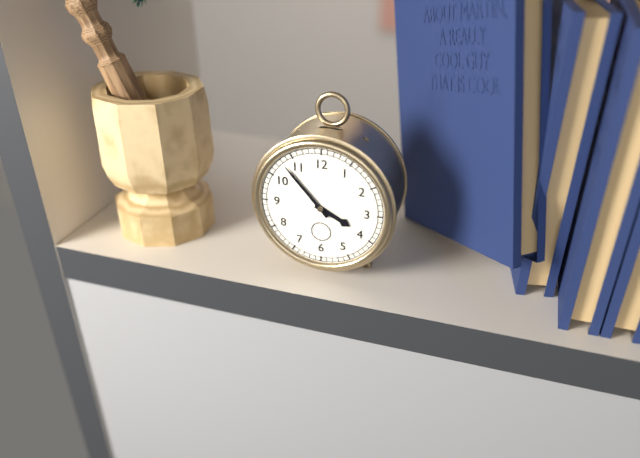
3:53
